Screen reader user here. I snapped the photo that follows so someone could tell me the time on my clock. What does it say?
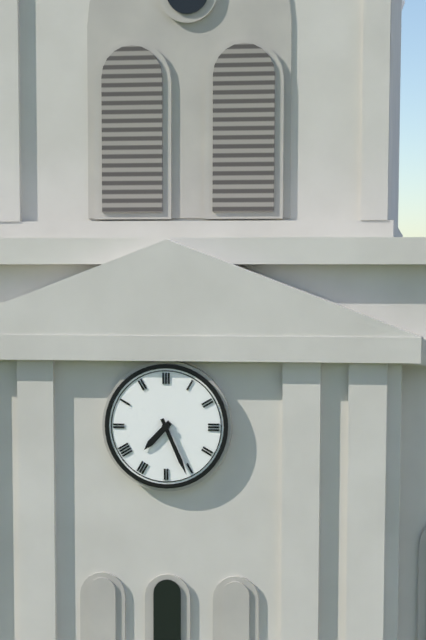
7:26
